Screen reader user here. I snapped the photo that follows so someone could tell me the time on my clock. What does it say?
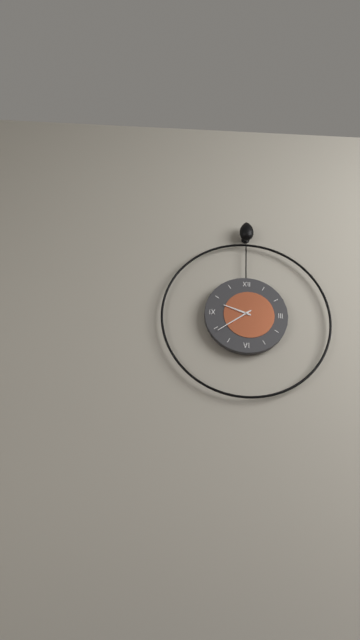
9:39
